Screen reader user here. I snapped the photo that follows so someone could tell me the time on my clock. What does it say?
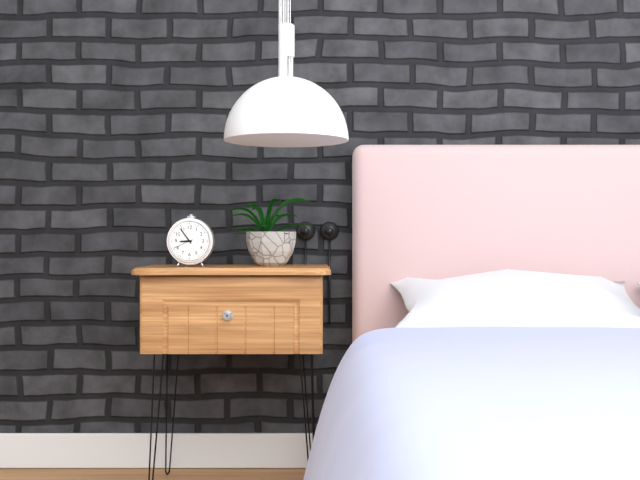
8:54
